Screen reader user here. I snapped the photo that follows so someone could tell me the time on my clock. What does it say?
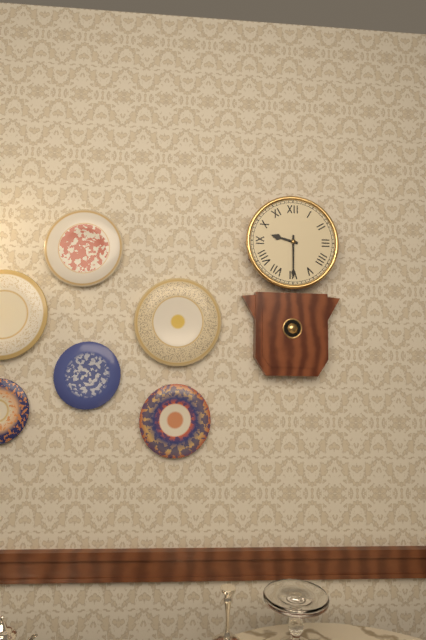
9:30
